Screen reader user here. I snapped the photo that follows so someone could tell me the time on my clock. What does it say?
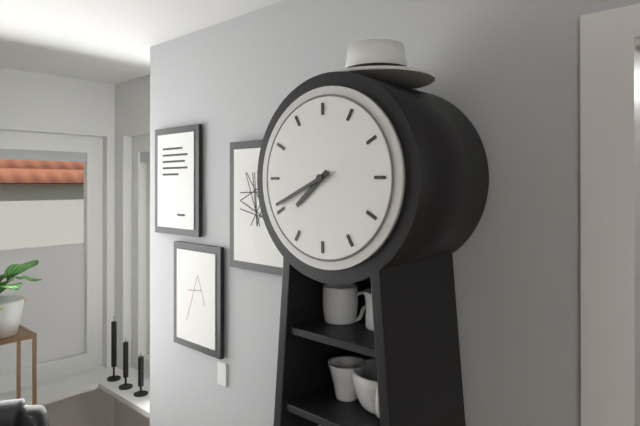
7:41
